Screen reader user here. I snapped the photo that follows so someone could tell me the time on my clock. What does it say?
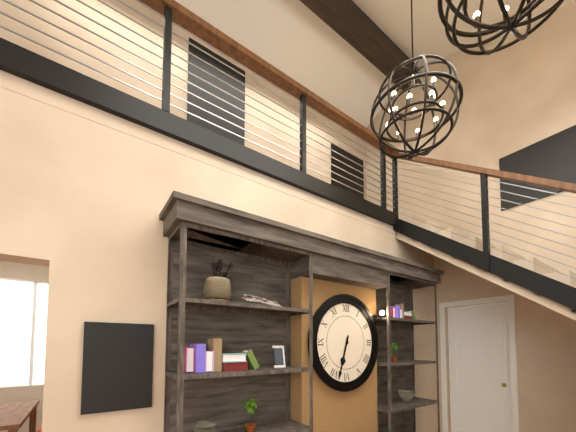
6:33
